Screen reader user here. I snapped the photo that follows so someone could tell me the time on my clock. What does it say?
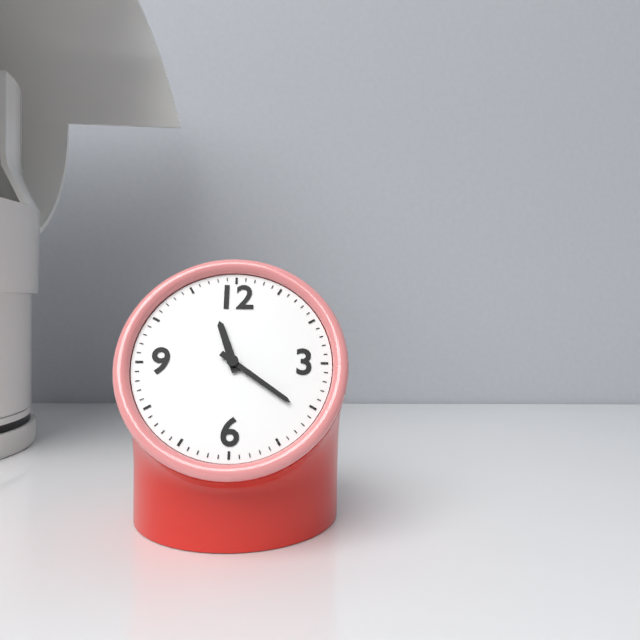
11:21
